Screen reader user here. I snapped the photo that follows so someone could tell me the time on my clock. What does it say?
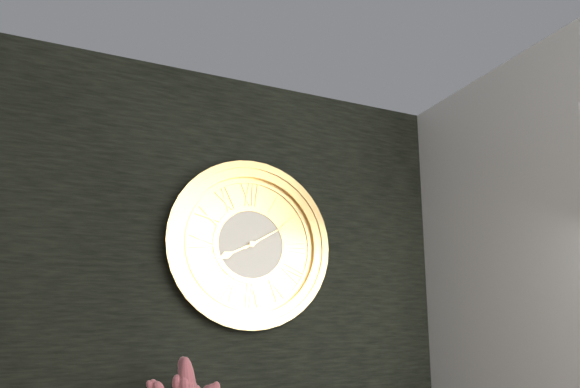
8:10
